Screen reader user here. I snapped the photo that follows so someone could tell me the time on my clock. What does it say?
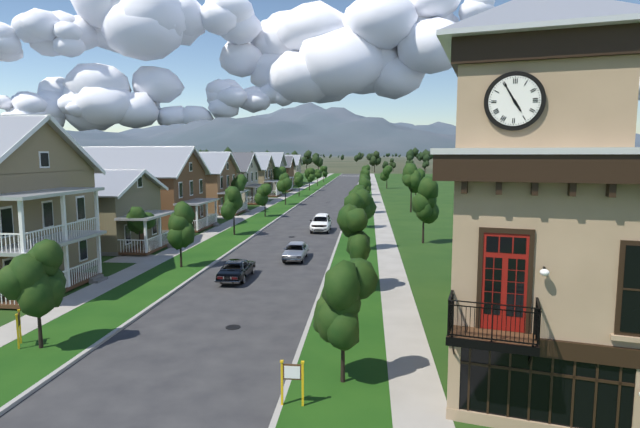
4:55
